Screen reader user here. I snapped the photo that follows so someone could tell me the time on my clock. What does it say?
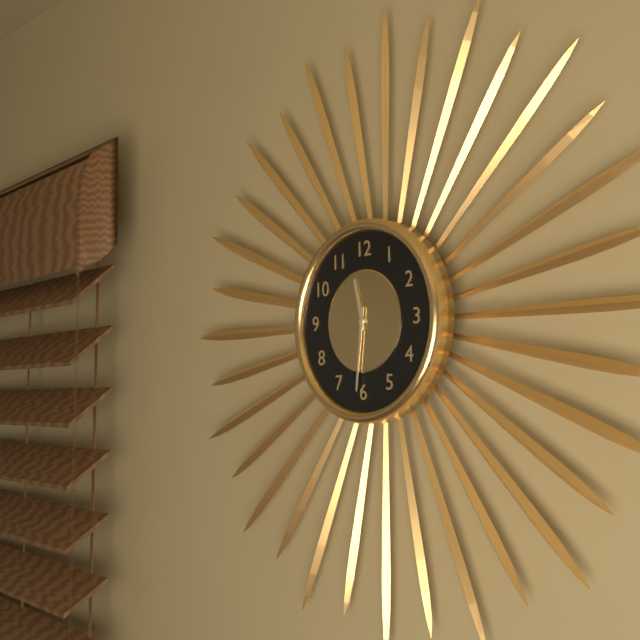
11:31
